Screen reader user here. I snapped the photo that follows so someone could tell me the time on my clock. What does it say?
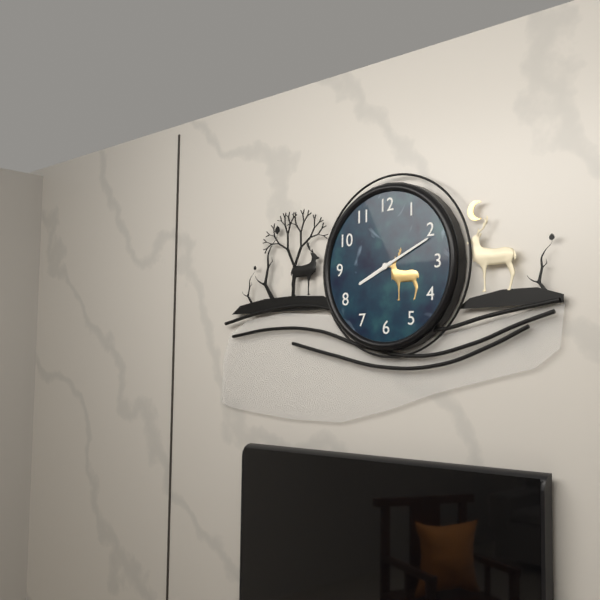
8:11
